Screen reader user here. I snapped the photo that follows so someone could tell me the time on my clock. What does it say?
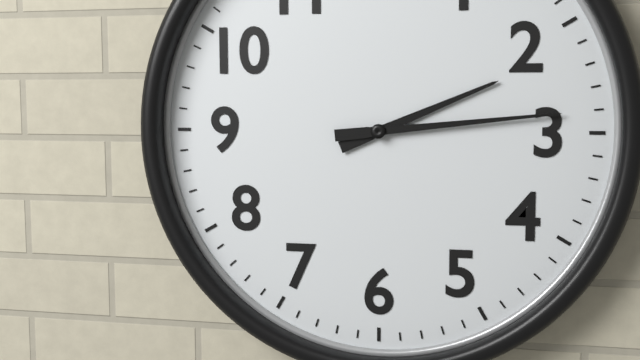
2:14
